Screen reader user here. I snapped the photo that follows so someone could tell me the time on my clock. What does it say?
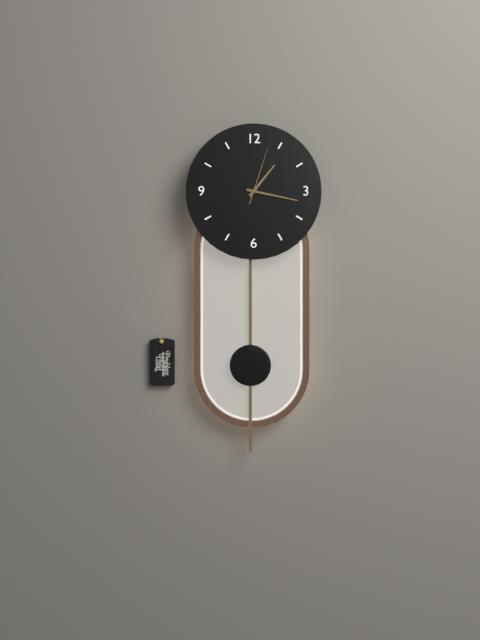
1:17:03
